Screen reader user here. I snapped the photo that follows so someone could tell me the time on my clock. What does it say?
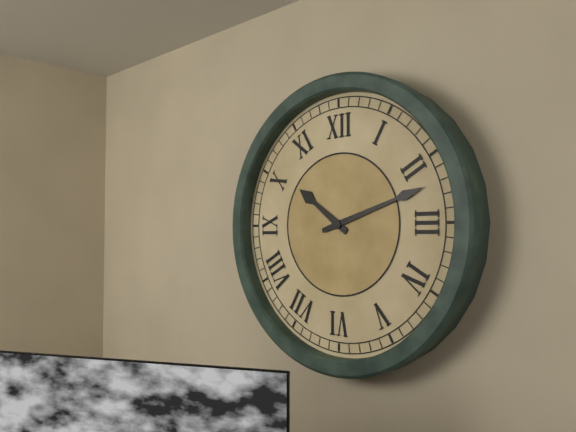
10:12
